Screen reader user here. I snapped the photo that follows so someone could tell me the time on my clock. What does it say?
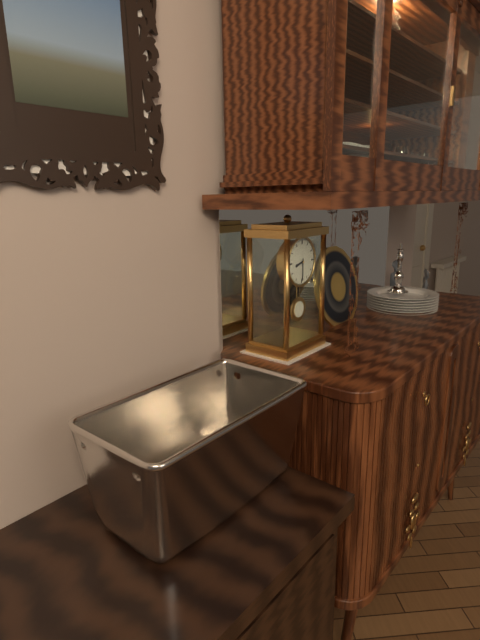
8:30
